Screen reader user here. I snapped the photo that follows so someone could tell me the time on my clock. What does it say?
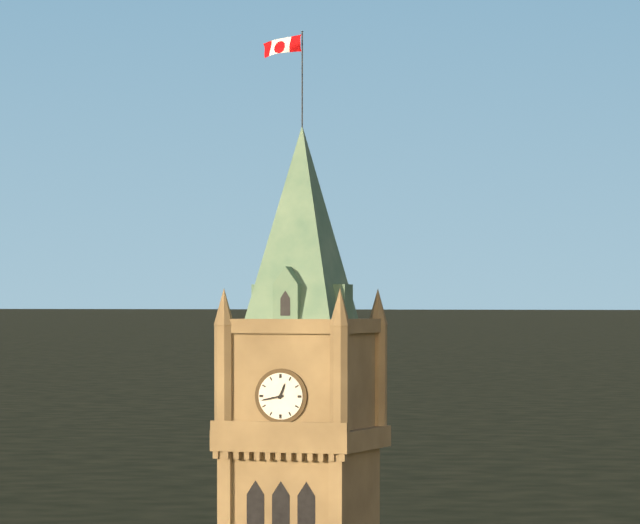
12:43
